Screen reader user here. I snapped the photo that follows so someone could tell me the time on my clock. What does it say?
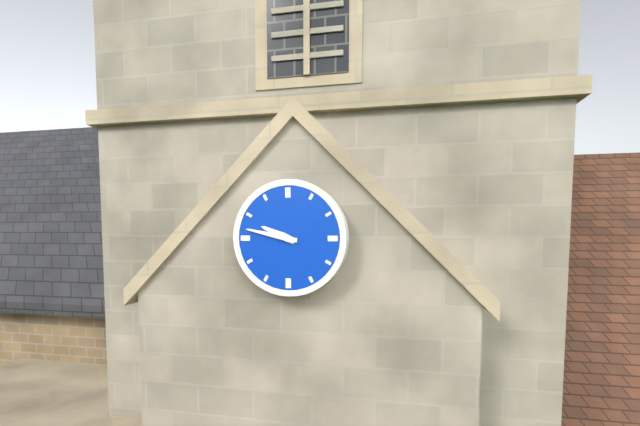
9:47
